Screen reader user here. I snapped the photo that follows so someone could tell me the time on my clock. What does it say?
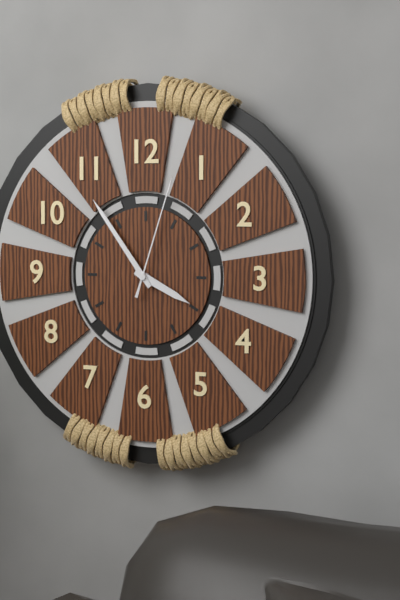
3:54:03
